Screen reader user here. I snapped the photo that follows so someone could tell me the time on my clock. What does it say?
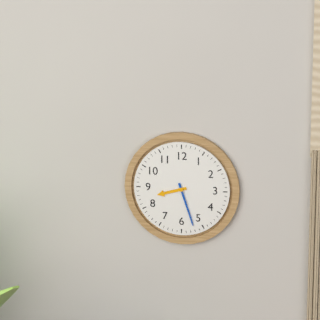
8:27
